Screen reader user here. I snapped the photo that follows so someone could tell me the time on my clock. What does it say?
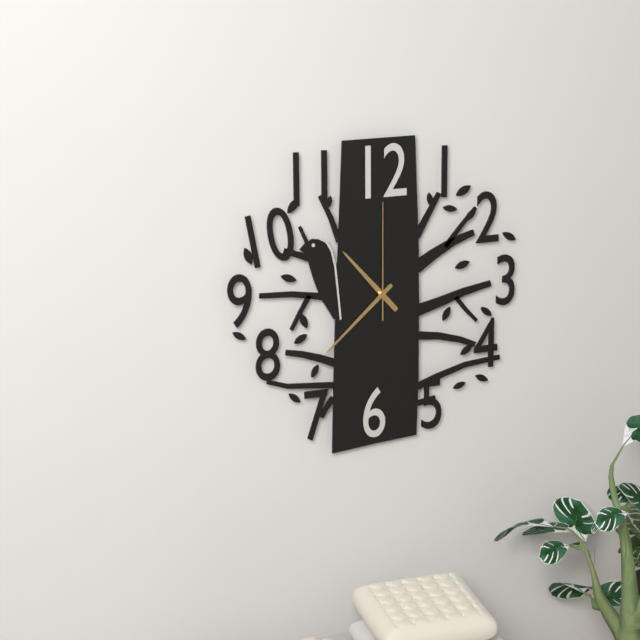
10:38:00
